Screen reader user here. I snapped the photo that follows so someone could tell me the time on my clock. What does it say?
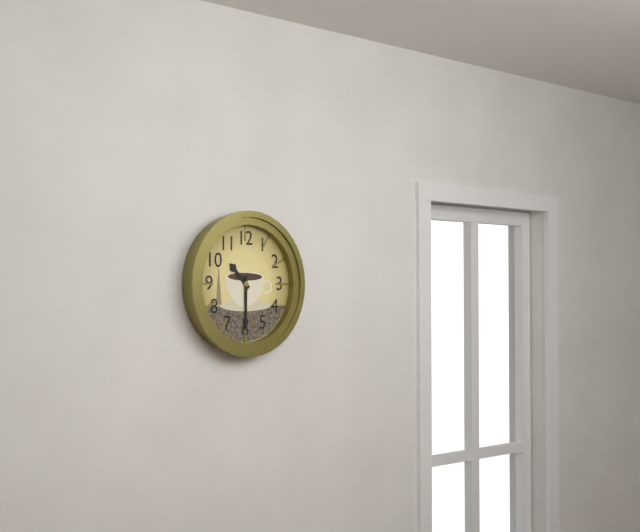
10:30
